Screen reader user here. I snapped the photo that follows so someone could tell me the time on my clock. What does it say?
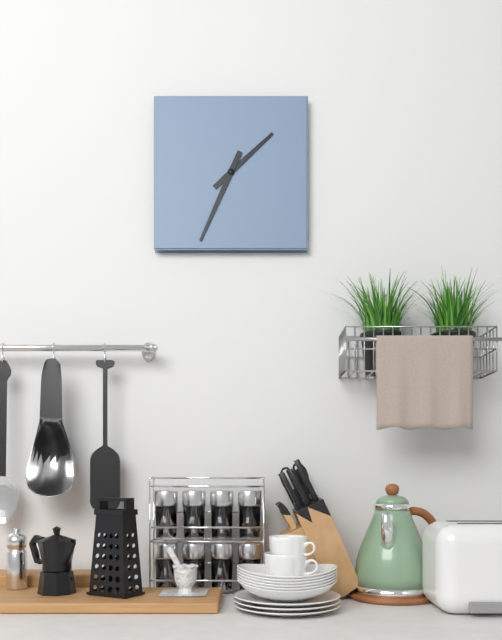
1:34
